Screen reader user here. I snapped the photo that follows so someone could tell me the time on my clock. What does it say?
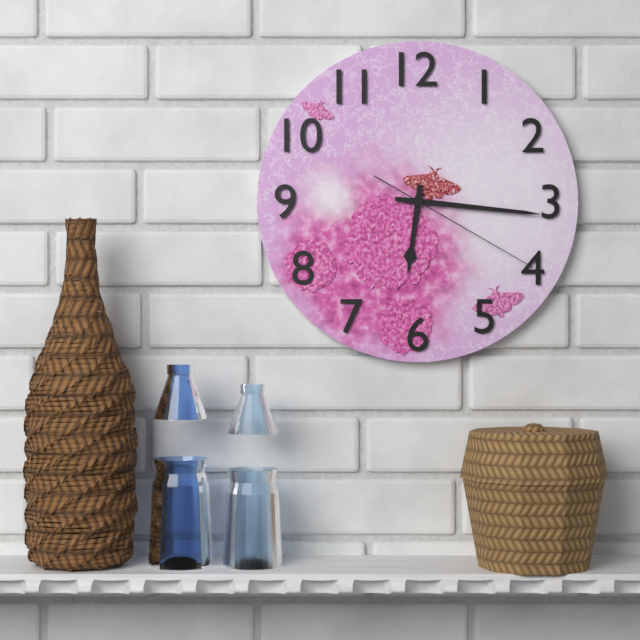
6:16:20
